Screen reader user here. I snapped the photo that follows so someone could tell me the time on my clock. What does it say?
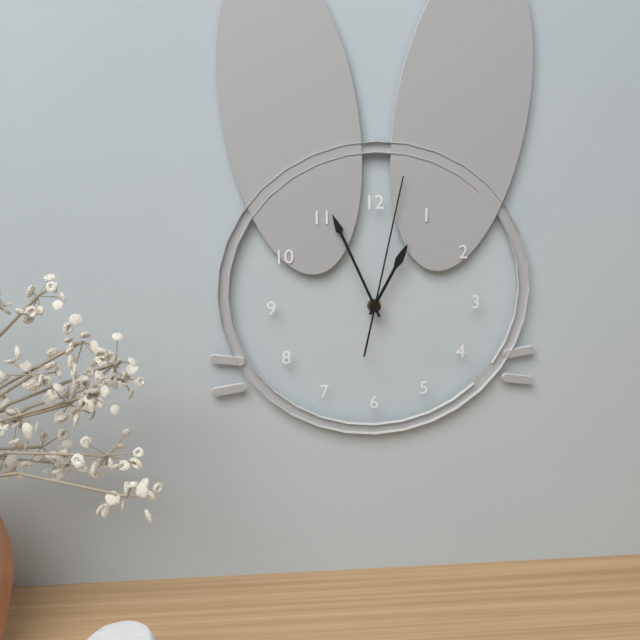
12:56:02
